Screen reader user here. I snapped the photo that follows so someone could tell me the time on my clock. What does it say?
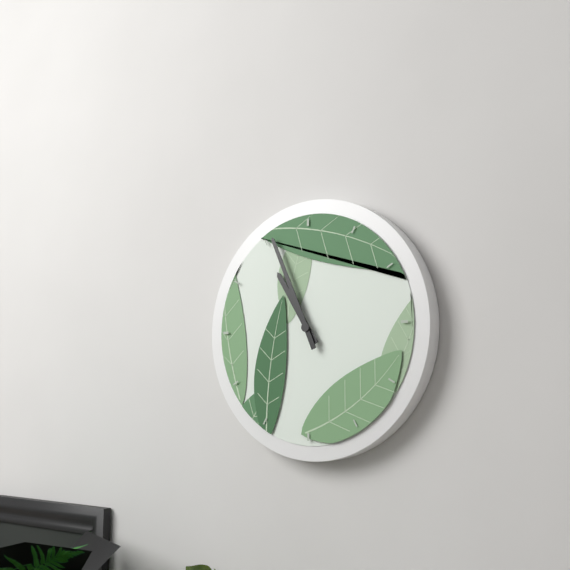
10:56
